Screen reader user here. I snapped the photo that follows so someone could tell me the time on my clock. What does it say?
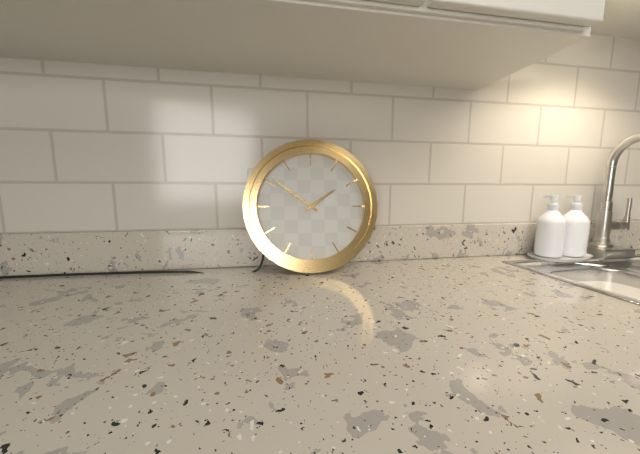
1:51
